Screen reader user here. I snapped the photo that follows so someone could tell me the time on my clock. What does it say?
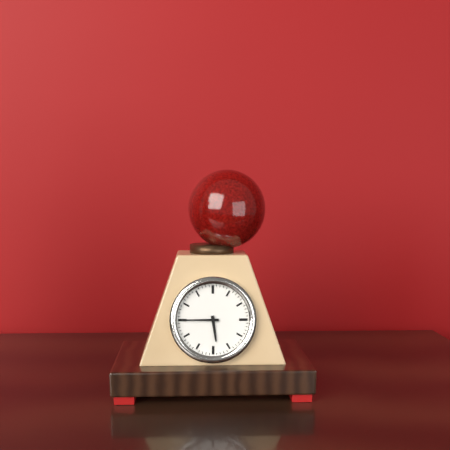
5:45
